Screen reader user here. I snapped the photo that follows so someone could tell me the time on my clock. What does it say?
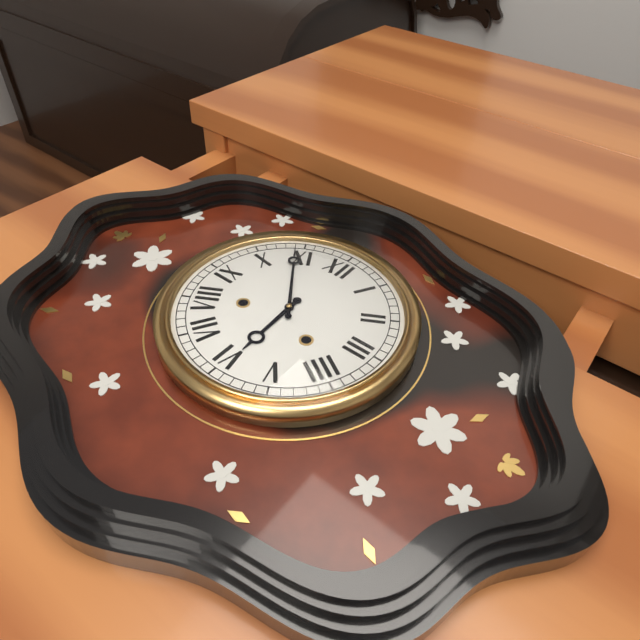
5:54
